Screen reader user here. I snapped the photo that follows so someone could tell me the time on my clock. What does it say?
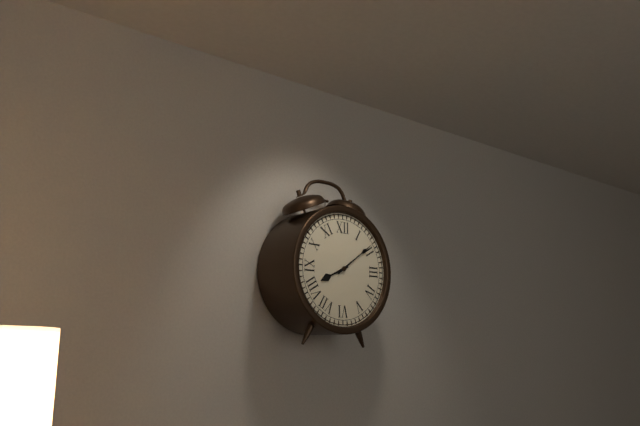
8:09
